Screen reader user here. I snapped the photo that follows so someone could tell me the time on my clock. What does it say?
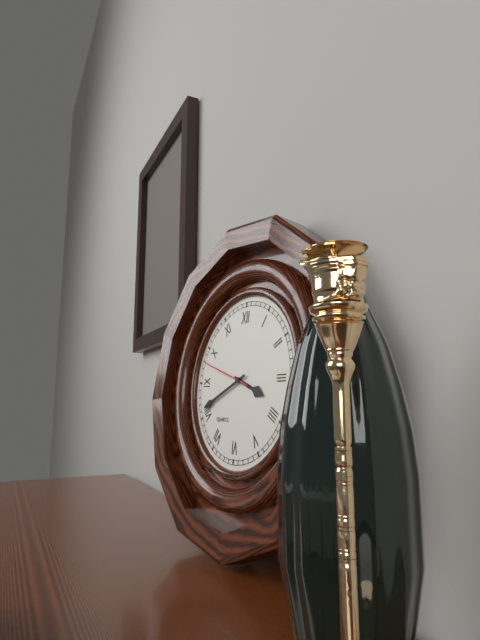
3:41
